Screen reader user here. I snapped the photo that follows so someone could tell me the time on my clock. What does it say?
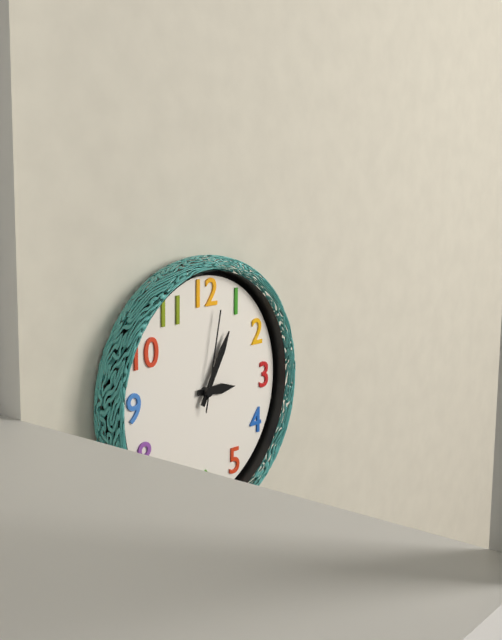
3:05:02
